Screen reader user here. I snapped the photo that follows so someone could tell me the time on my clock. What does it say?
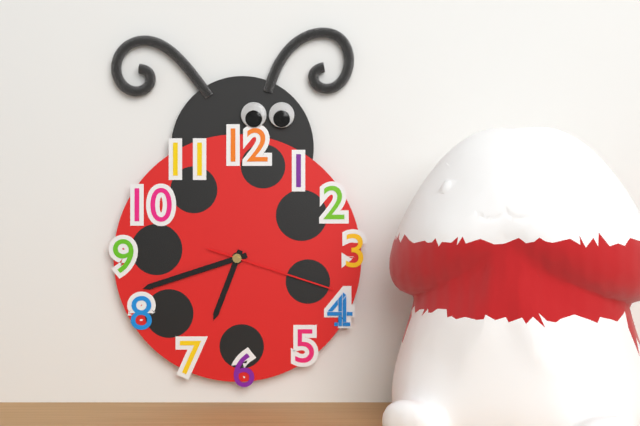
6:42:18
